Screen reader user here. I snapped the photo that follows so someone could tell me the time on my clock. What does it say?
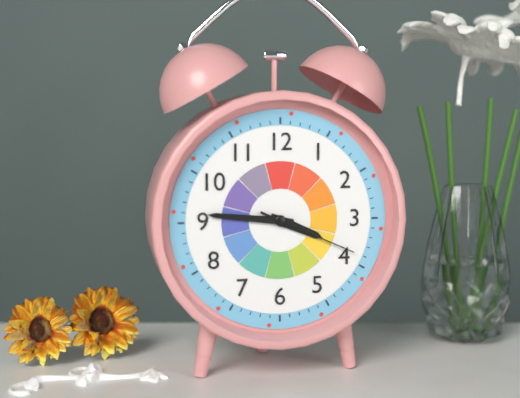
3:46:19
